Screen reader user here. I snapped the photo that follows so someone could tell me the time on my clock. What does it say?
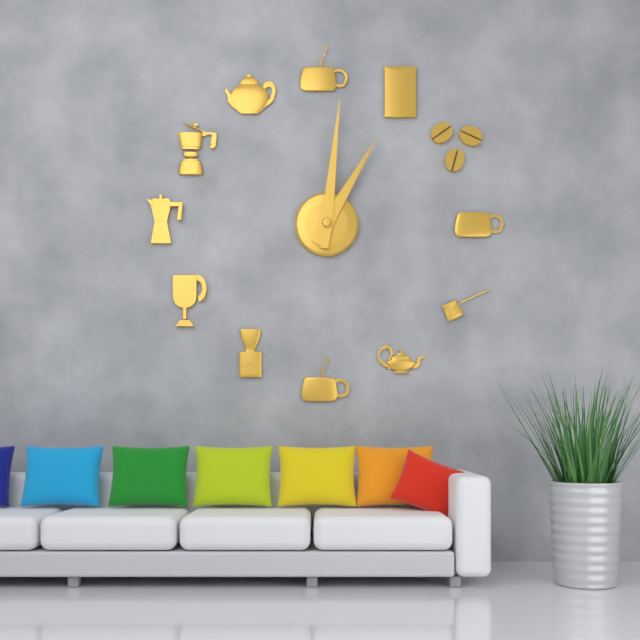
1:01
